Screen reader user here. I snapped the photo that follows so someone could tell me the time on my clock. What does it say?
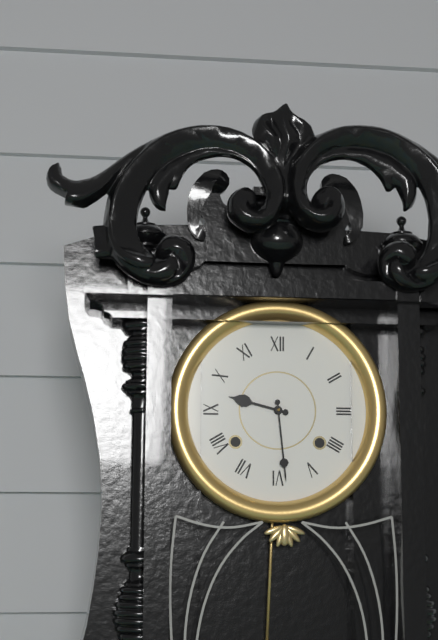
9:29
